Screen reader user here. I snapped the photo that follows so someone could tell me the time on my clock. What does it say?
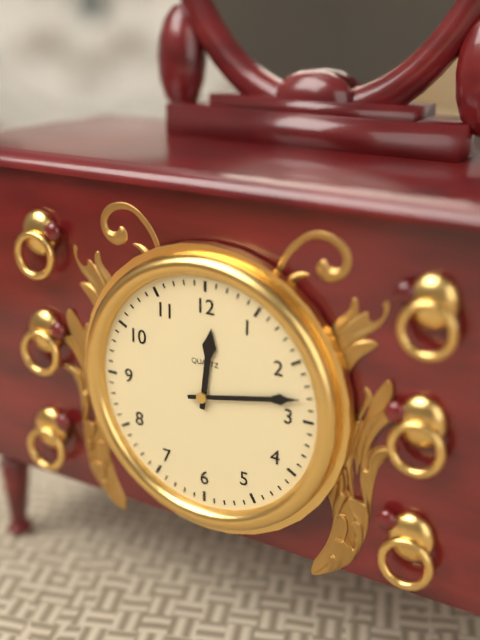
12:13
